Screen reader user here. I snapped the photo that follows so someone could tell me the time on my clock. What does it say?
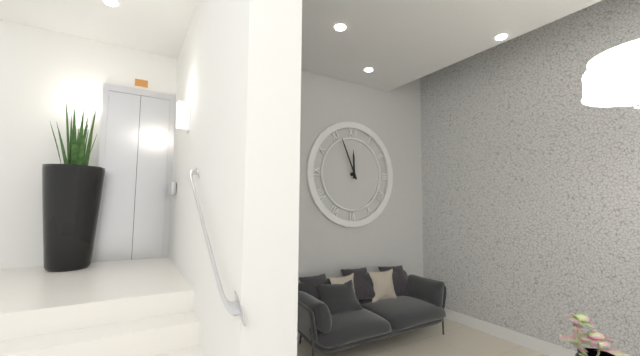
11:56
